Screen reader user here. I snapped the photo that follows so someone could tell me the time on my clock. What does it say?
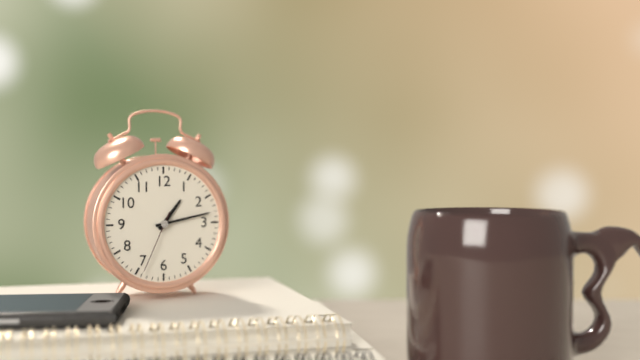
1:13:34
